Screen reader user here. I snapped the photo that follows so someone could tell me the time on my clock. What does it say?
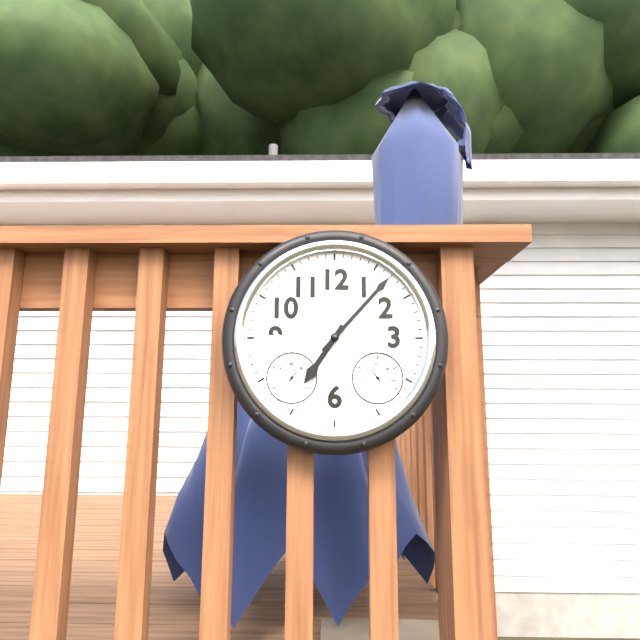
7:07
